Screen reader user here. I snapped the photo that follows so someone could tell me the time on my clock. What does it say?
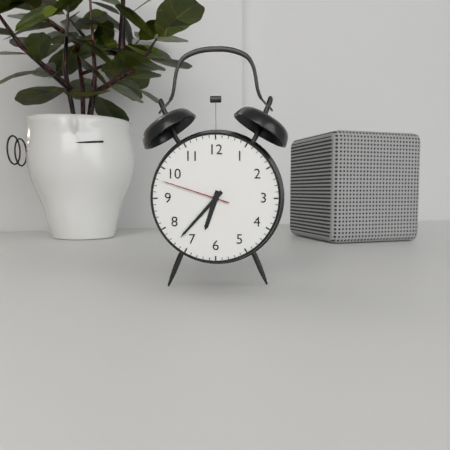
6:37:48
